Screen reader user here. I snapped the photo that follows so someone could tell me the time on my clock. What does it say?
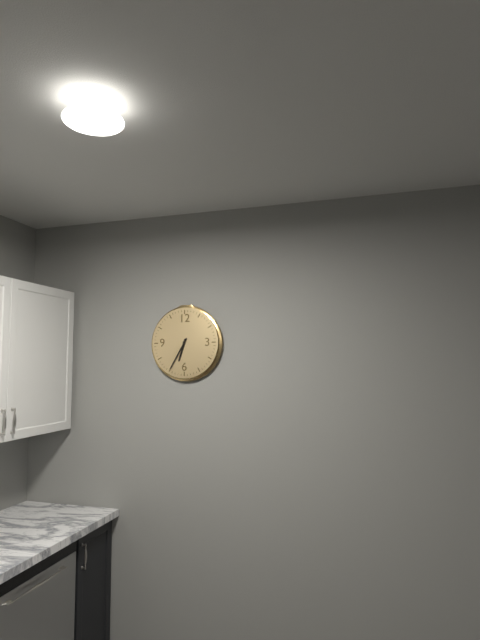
6:35
